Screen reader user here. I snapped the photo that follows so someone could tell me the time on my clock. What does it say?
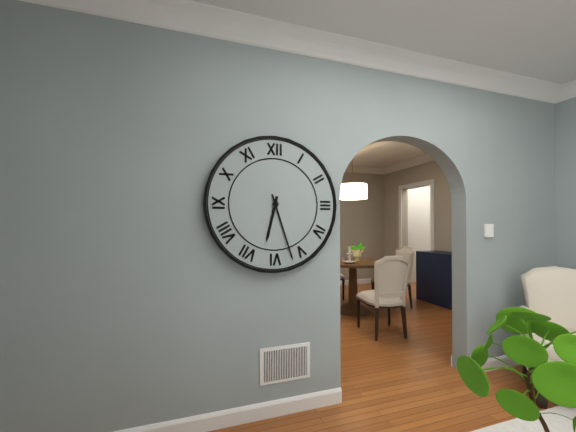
6:27
